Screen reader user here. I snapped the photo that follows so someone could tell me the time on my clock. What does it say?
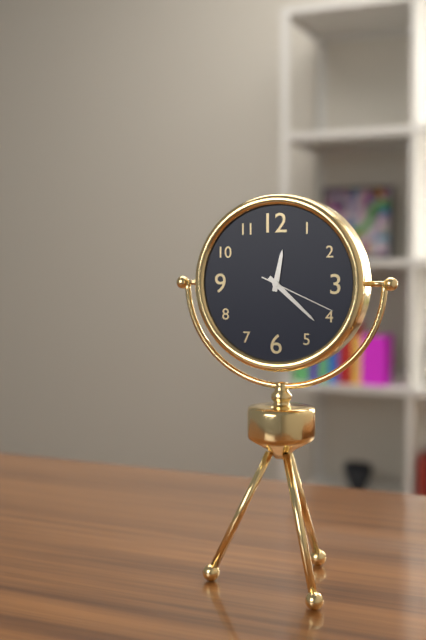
12:22:19
